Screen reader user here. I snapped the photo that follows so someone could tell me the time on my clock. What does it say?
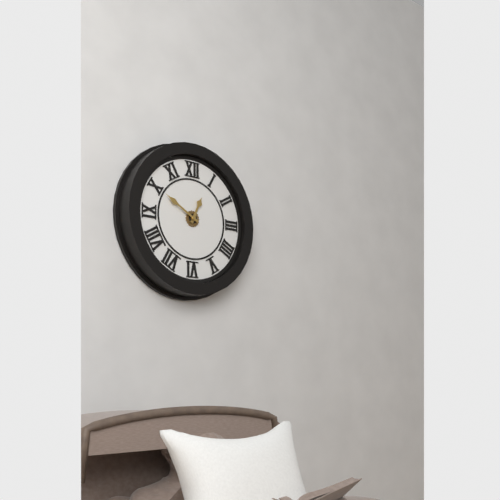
12:50
